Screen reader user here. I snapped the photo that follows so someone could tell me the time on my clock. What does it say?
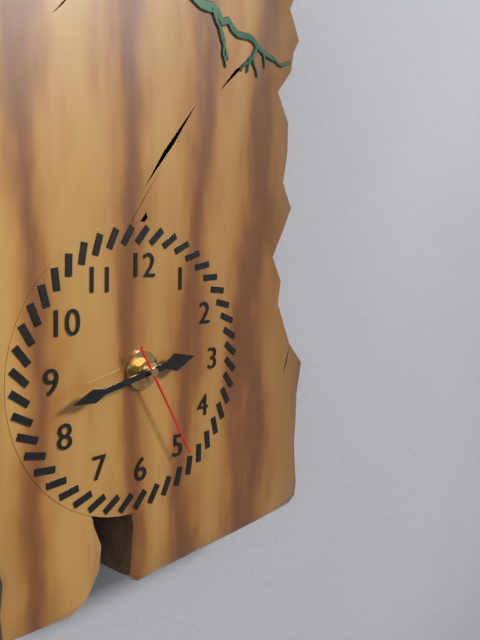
2:43:25
